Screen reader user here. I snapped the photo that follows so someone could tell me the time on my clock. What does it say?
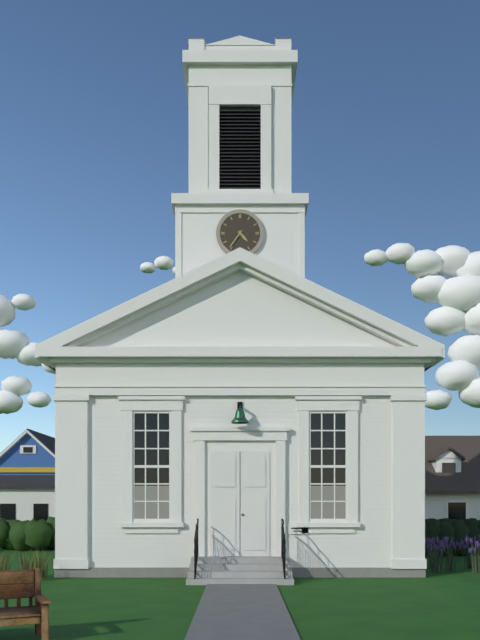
4:36
